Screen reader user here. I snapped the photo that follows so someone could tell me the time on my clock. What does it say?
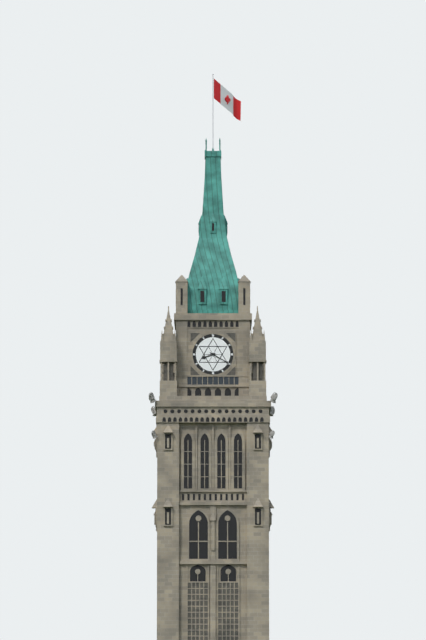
8:20
